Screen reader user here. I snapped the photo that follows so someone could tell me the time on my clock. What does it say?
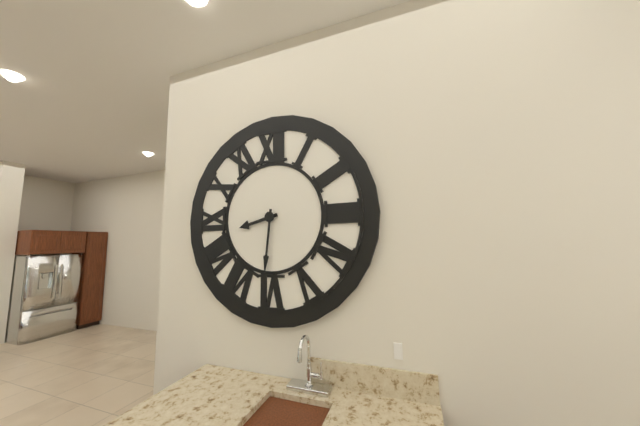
8:31
